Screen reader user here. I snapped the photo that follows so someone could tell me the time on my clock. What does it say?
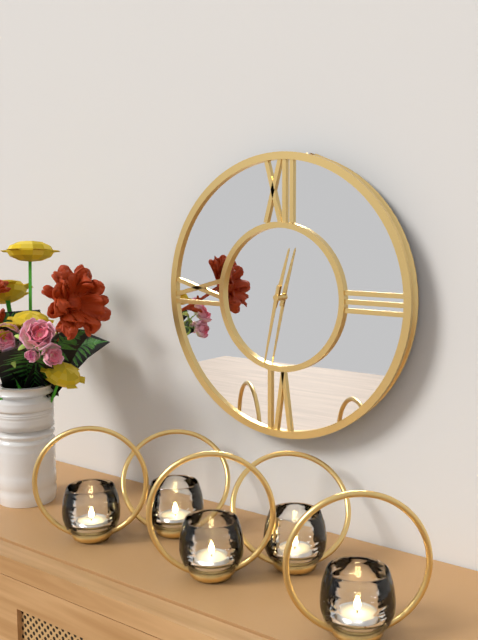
12:32
